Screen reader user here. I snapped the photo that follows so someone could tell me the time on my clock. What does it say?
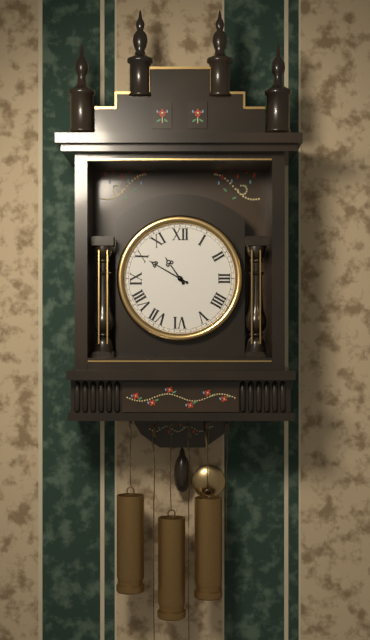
10:50
